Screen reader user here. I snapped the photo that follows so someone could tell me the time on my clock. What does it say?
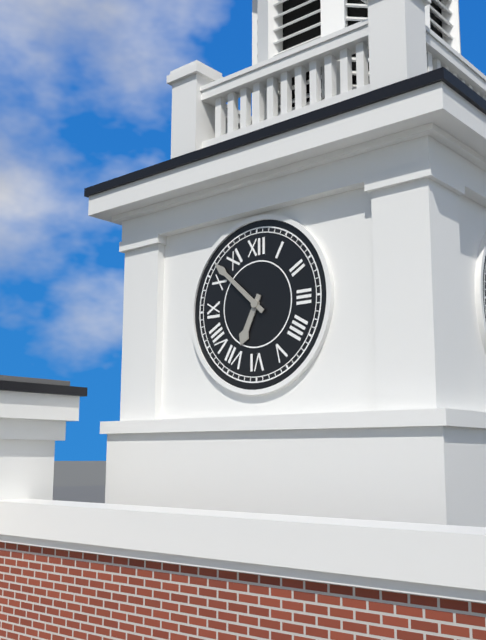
6:52
